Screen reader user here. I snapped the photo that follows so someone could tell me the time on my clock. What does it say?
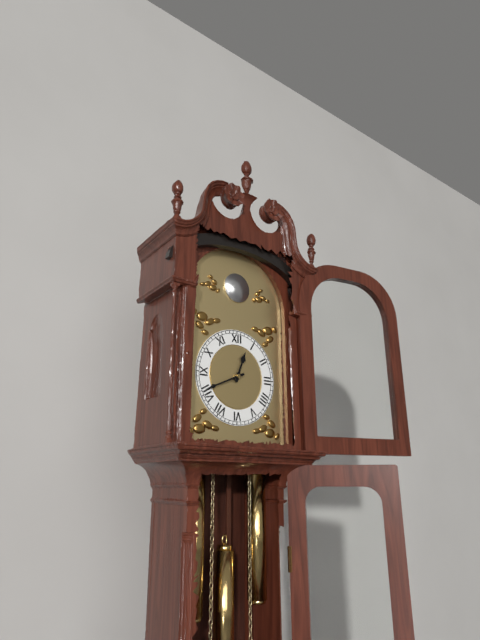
12:41
